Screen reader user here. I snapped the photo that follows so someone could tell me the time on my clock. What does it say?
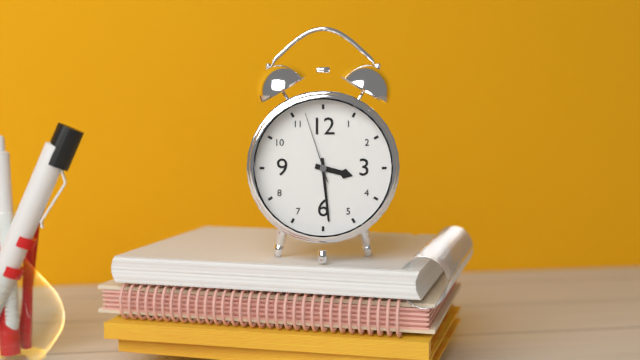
3:29:57
